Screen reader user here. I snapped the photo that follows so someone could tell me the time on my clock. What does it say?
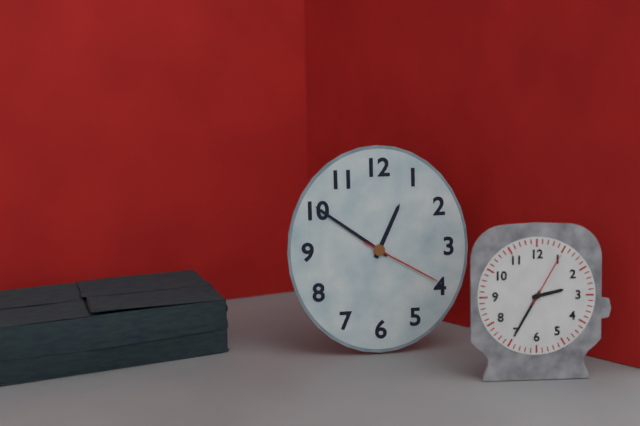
12:51:20
